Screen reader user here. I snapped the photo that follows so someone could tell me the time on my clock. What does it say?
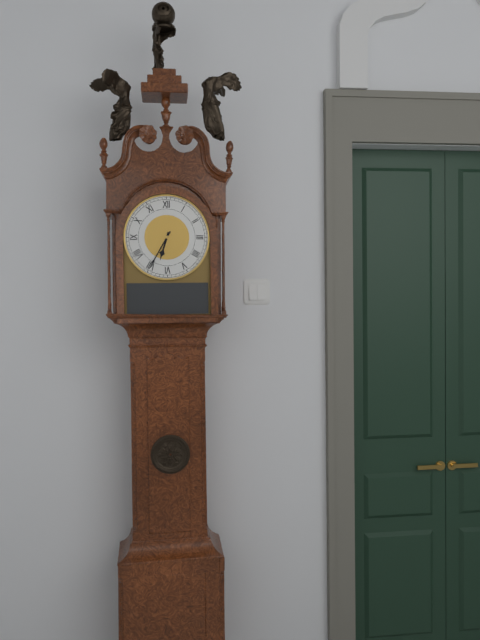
6:35
